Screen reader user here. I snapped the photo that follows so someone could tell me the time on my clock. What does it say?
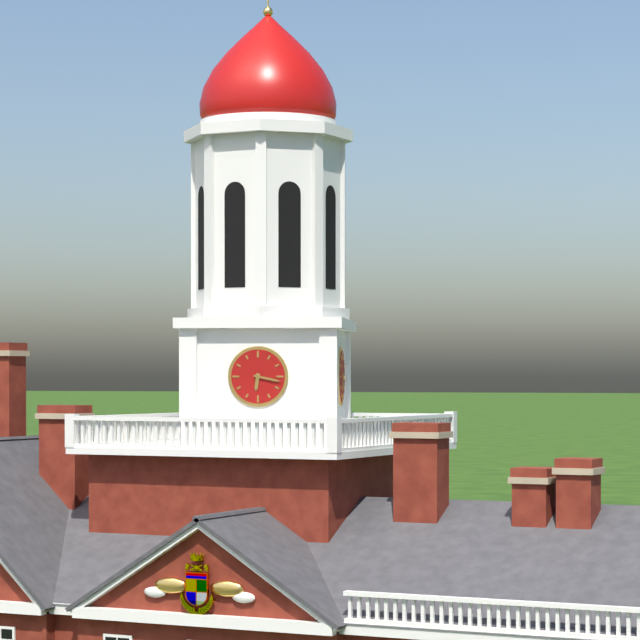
6:17
